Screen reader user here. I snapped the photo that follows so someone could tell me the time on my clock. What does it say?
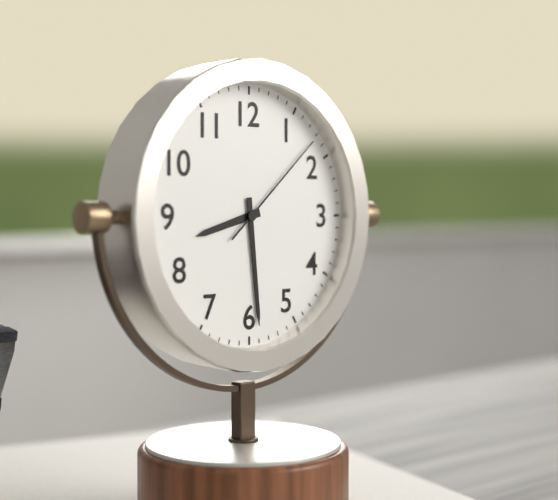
8:29:08
